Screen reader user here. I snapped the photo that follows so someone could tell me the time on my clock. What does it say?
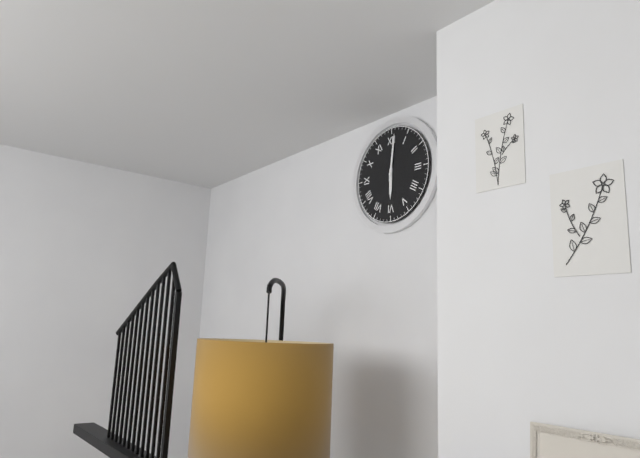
6:01
